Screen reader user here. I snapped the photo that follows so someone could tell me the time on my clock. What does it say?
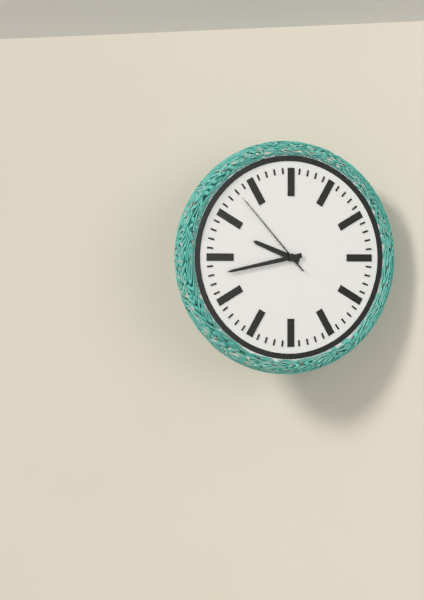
9:43:53
